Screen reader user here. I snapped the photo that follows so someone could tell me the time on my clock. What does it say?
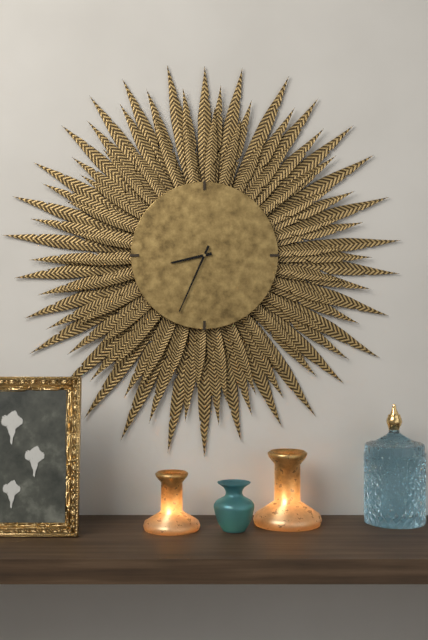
8:34
